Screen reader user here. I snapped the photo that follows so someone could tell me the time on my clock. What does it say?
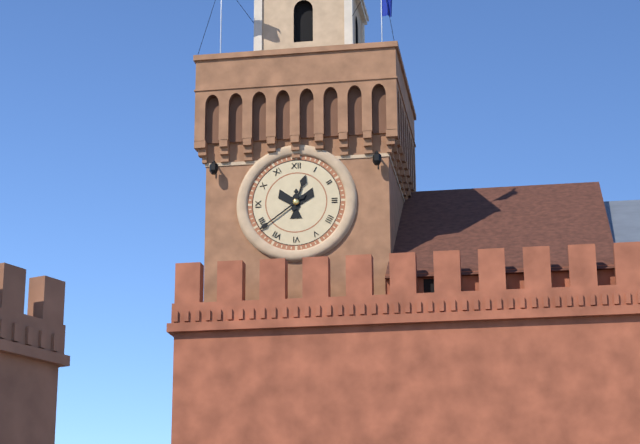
12:39
